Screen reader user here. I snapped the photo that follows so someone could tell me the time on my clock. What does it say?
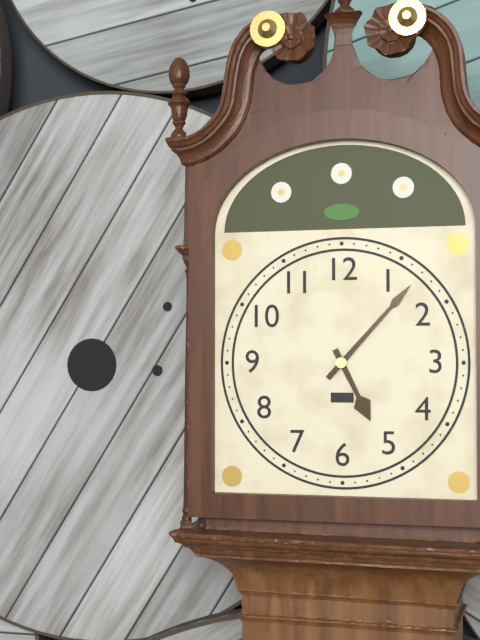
5:07
